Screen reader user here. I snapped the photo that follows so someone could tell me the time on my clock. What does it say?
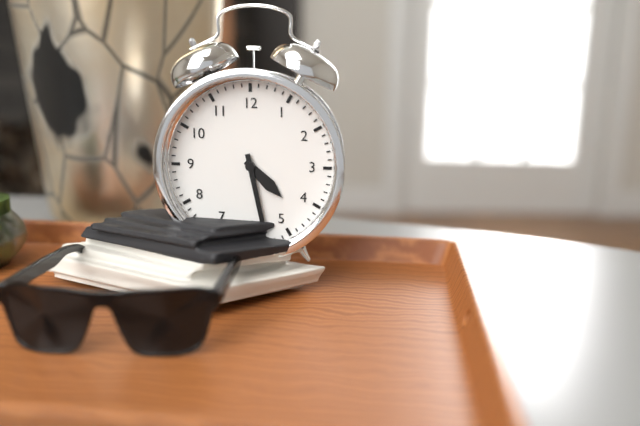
4:28
